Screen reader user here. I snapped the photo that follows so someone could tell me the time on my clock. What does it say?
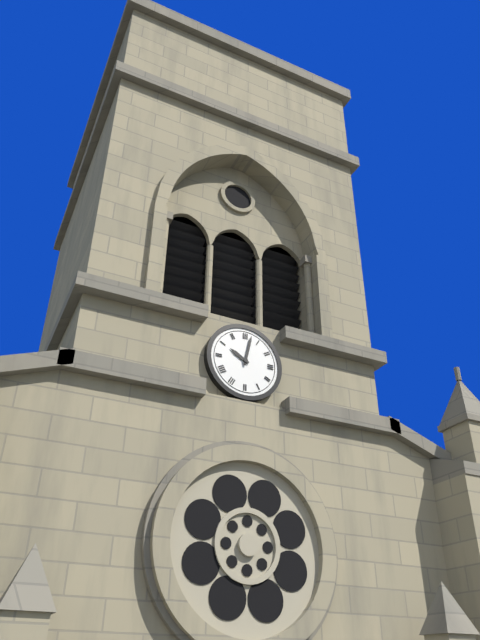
10:02
